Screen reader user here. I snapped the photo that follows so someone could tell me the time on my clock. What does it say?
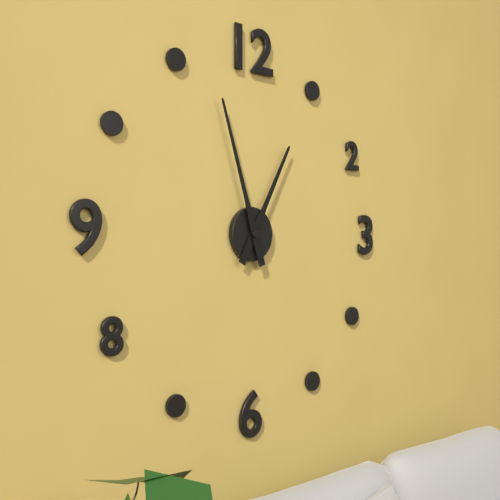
12:57
